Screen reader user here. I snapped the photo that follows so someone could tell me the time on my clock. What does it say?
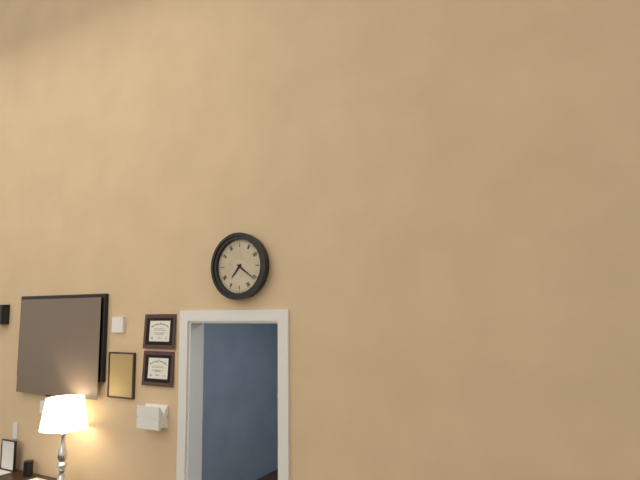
7:21
